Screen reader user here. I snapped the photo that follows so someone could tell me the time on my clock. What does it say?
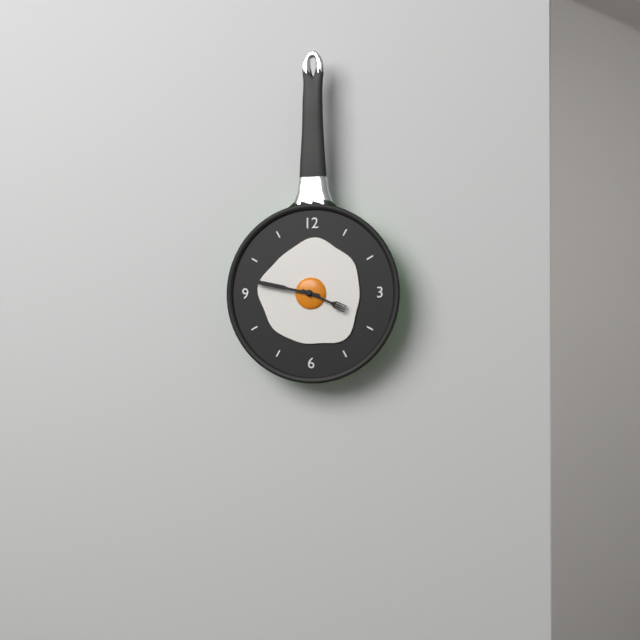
3:47
